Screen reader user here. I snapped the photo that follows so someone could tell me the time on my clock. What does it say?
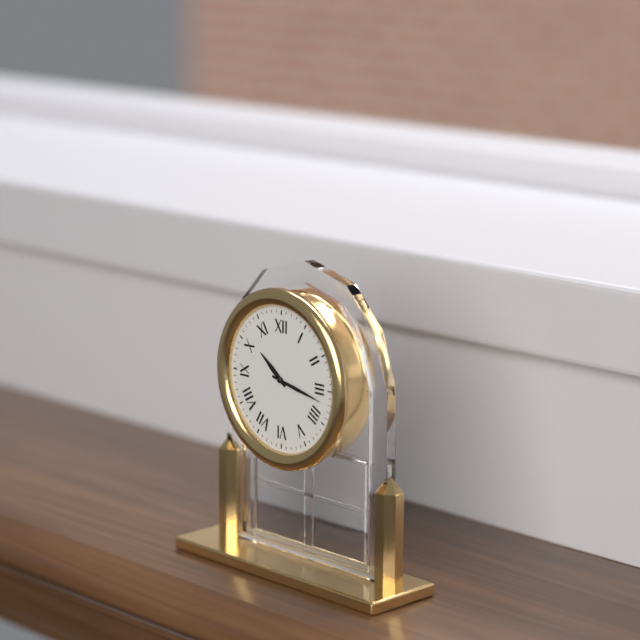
10:17
